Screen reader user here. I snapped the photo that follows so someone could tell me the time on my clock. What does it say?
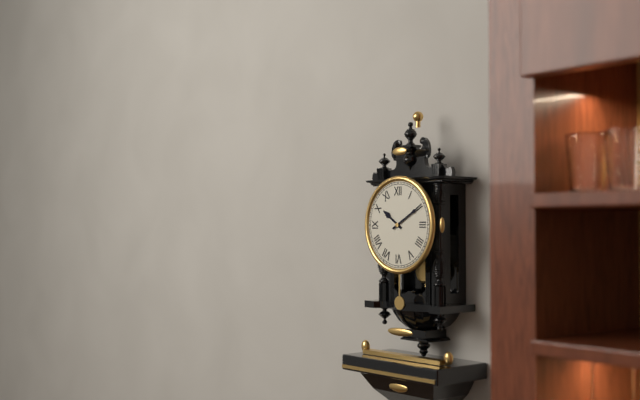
10:10
